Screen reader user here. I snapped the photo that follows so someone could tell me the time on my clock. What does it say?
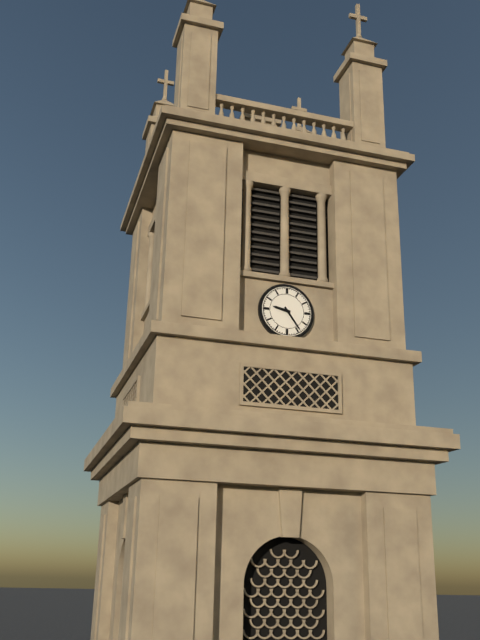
9:24
